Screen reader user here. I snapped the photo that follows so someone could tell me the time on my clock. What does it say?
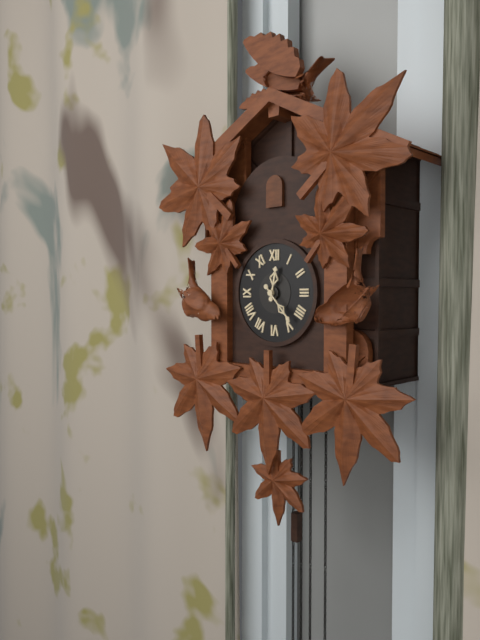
12:23
